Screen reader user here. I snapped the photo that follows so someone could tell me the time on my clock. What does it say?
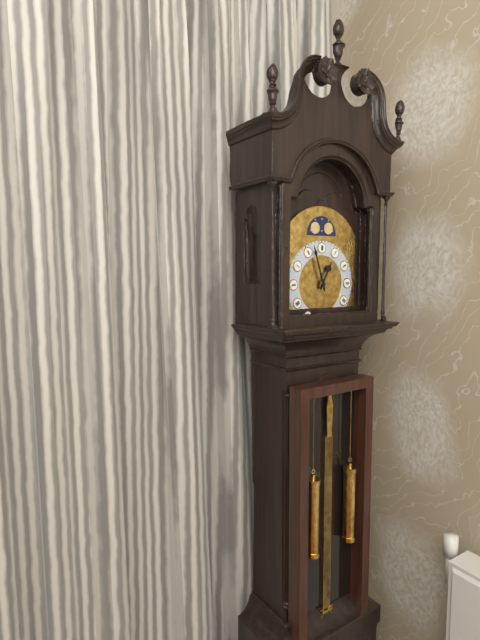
12:57
